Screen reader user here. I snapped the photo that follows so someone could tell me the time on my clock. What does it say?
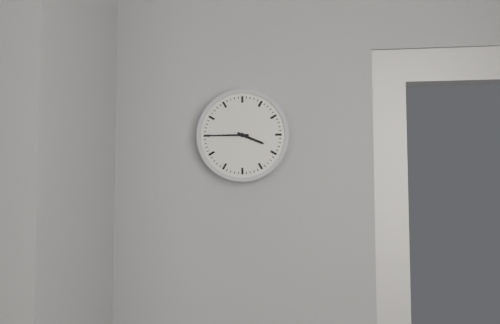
3:45
